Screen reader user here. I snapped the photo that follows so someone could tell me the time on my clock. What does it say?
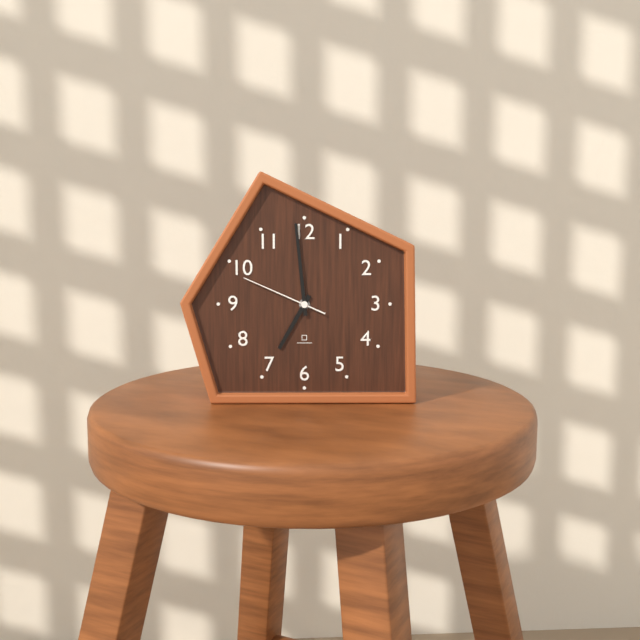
6:59:49
